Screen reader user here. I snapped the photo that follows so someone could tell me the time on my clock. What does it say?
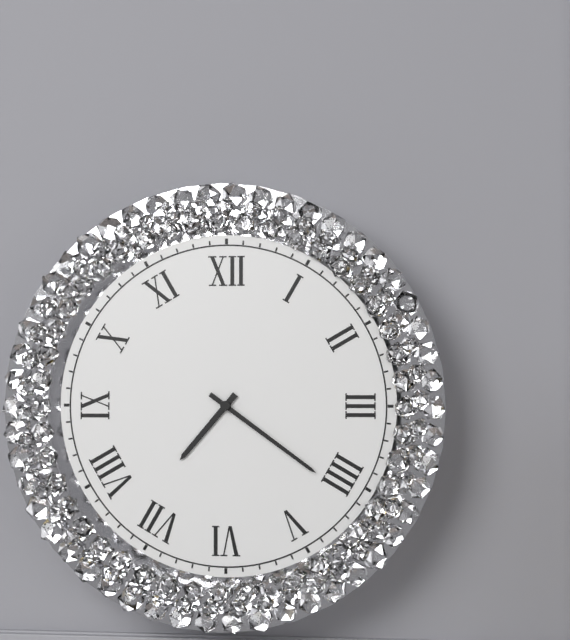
7:21
